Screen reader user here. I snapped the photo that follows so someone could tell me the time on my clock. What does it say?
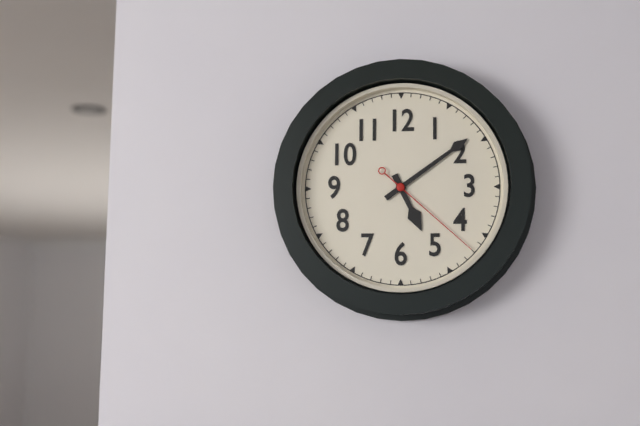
5:09:22
